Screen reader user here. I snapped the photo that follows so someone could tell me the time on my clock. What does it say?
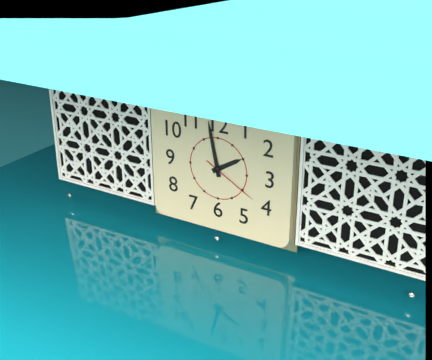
1:58:20
